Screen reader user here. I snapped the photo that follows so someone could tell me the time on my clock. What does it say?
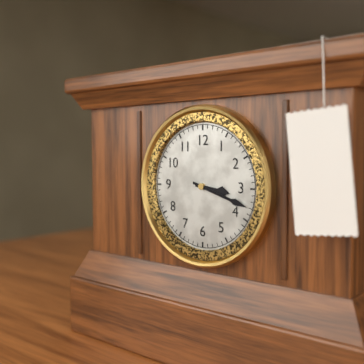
3:18
